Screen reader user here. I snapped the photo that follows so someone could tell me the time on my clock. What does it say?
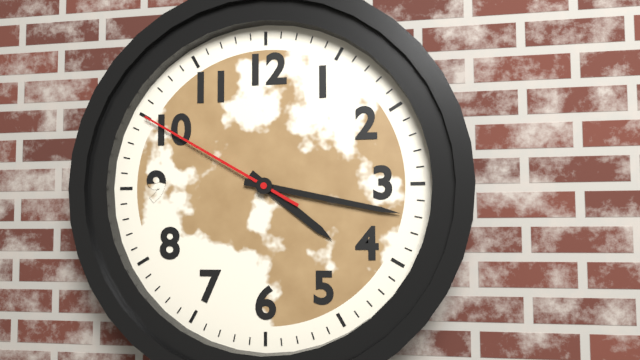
4:17:50
